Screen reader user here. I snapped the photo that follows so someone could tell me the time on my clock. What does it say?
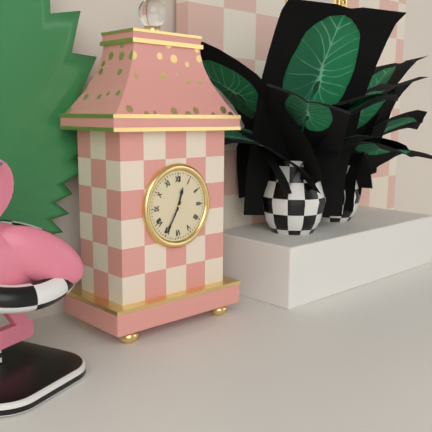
12:35
